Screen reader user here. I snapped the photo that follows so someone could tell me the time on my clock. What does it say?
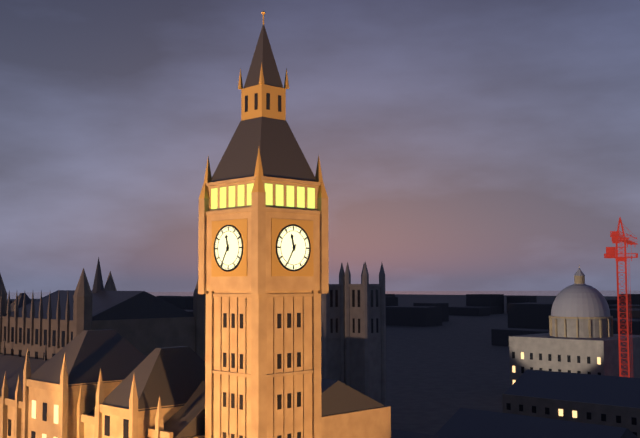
11:35
